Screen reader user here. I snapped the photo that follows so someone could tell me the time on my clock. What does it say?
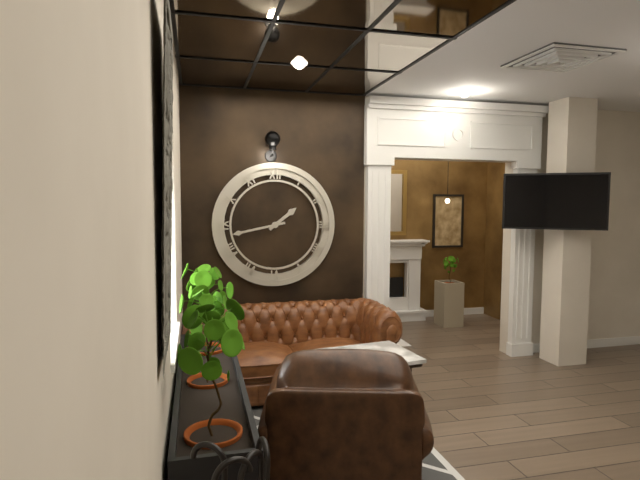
1:43
